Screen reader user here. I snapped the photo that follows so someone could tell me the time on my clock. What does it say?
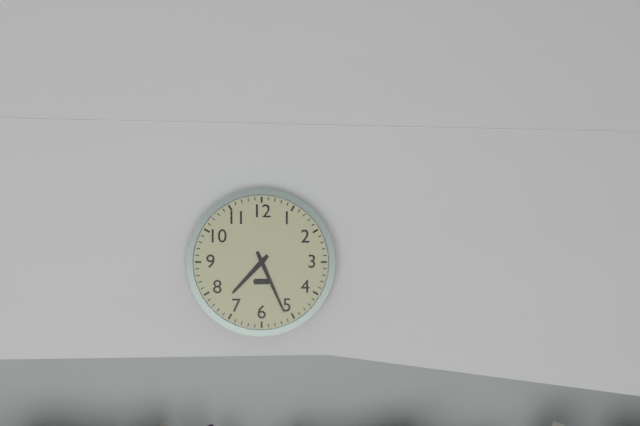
7:26
